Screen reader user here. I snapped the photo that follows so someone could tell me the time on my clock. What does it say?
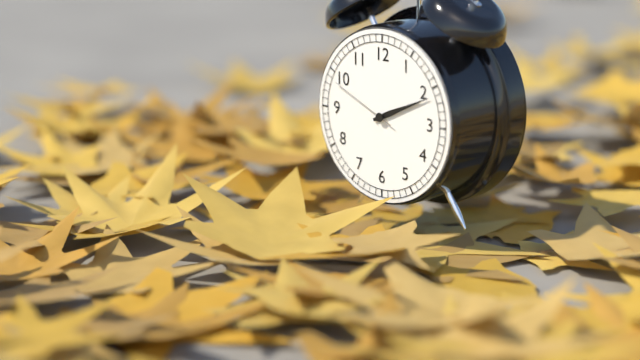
2:11:49
